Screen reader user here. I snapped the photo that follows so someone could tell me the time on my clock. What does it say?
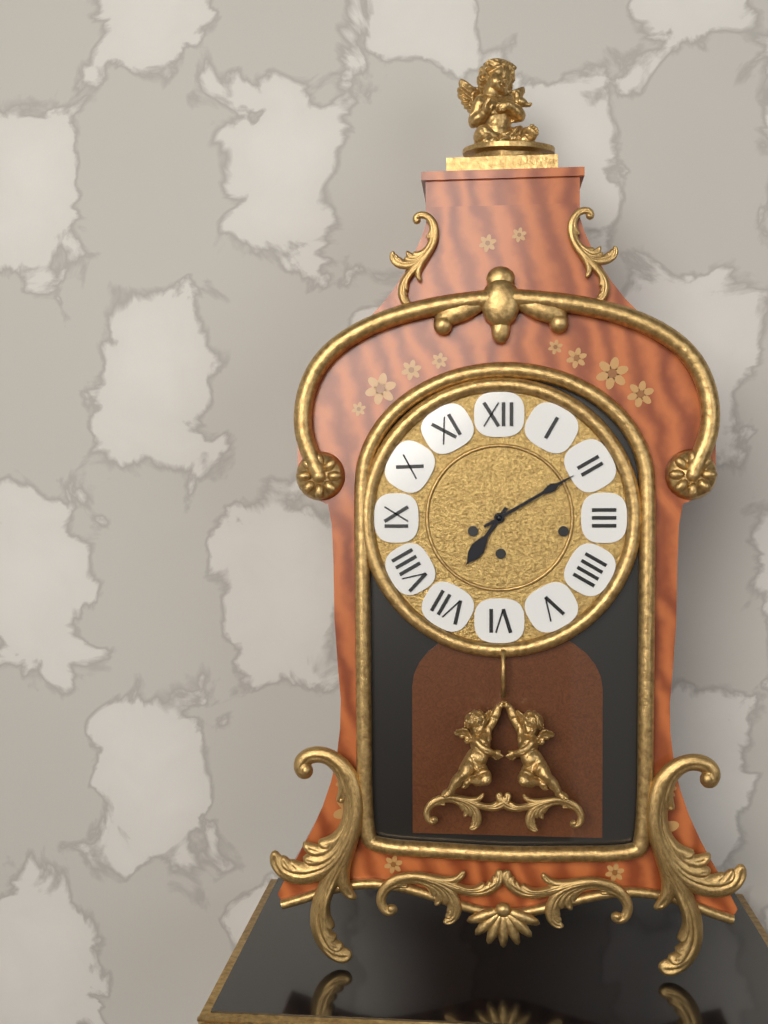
7:10
